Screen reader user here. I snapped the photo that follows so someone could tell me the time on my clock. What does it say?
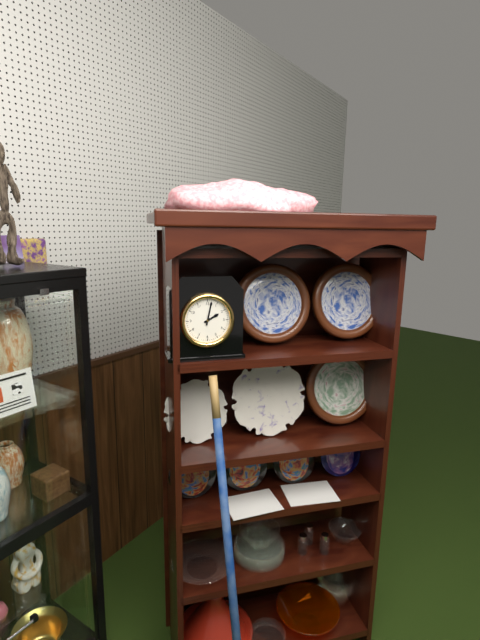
2:02
